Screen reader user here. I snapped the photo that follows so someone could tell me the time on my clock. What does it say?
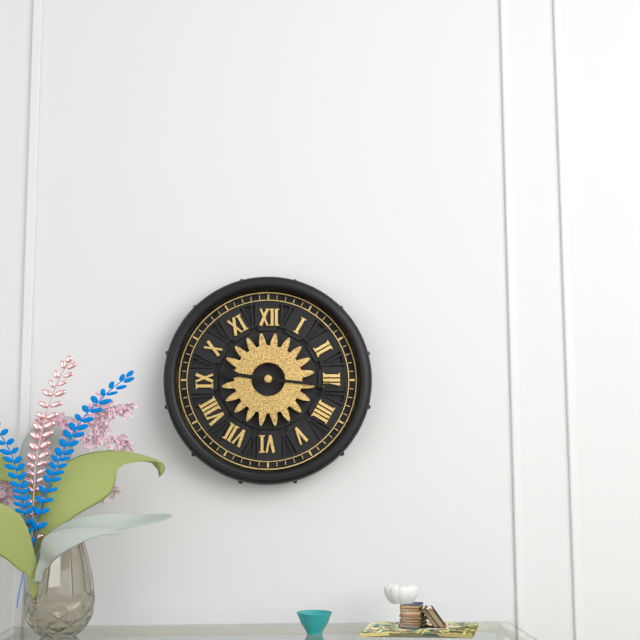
9:16
